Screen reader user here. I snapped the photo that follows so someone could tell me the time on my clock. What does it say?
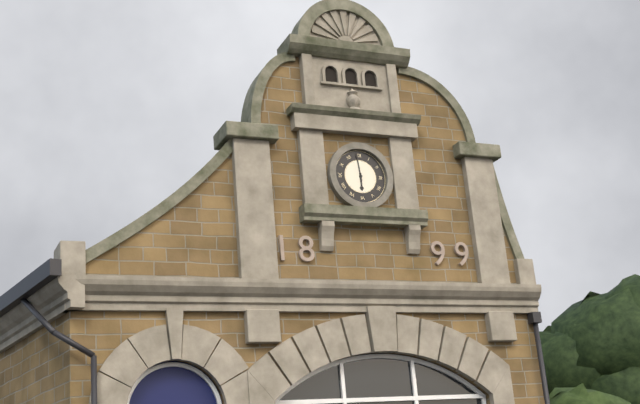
5:59
